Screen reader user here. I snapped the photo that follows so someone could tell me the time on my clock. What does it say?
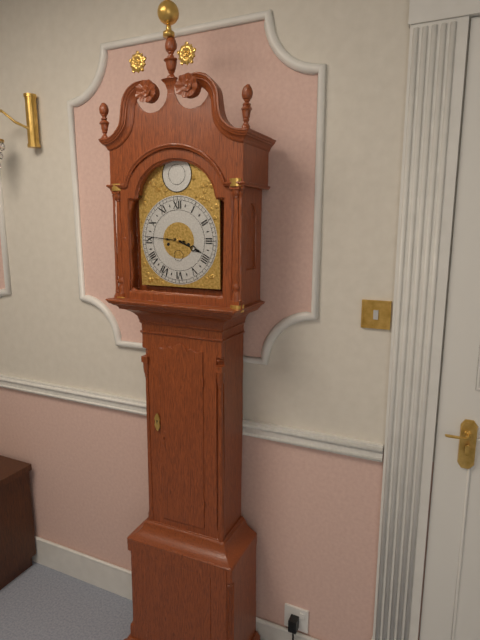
3:46
